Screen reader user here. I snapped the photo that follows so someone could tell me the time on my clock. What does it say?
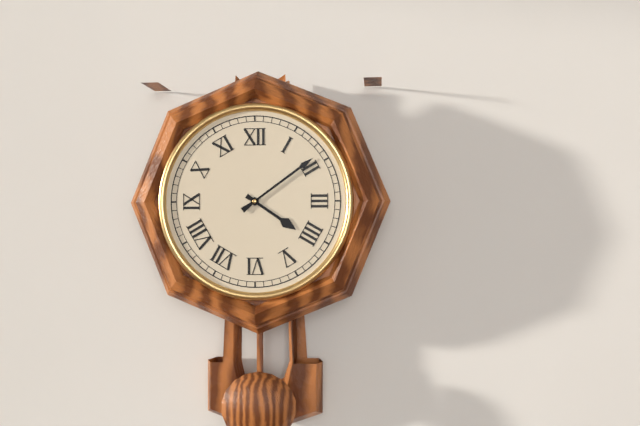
4:09
